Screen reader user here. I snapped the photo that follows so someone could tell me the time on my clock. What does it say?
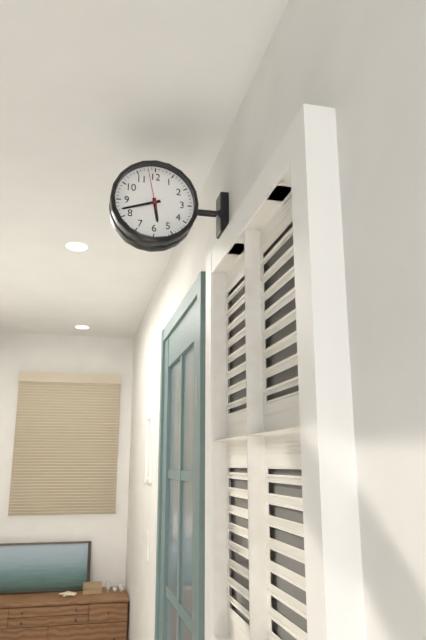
5:42
